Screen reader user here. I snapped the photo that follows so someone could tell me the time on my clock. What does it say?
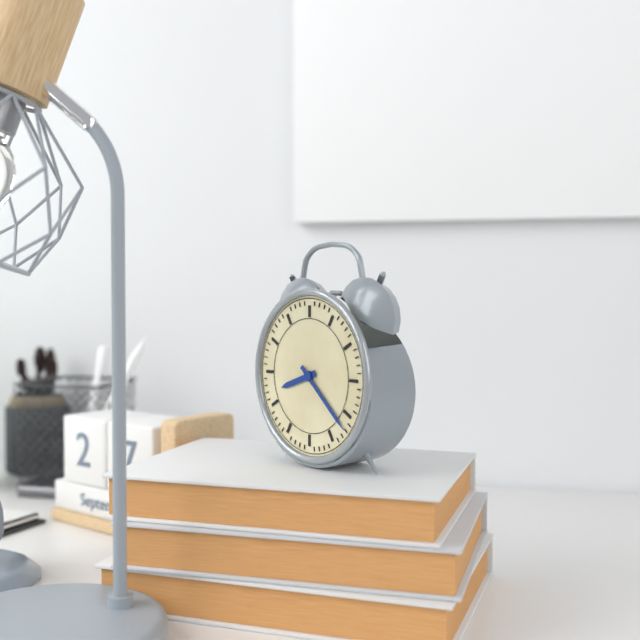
8:22
